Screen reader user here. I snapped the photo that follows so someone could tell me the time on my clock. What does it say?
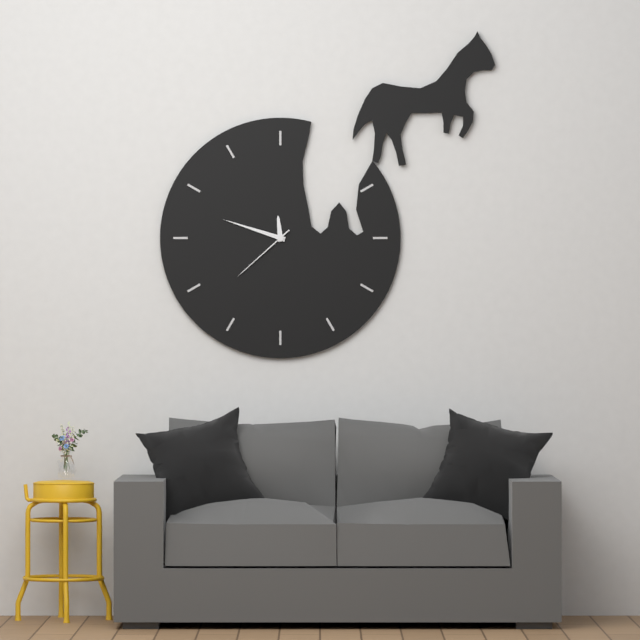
11:48:38
